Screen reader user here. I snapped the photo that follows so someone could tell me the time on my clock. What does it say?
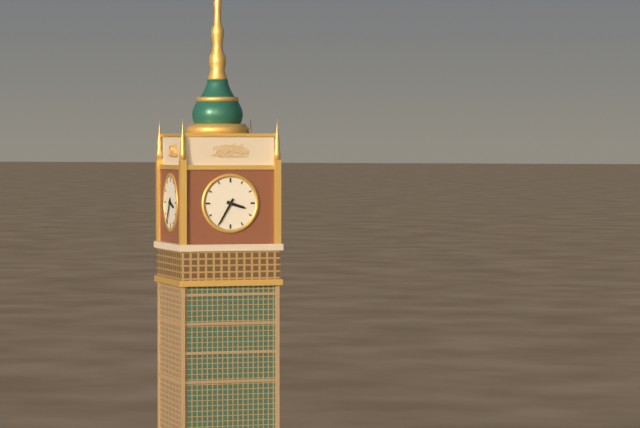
3:35
